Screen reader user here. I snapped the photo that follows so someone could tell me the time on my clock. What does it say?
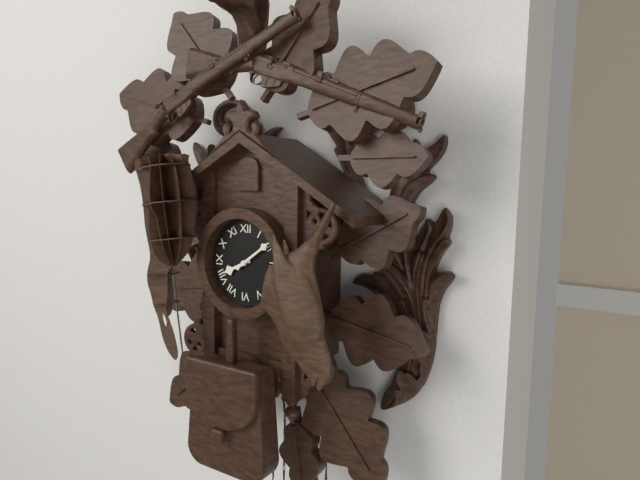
8:09
